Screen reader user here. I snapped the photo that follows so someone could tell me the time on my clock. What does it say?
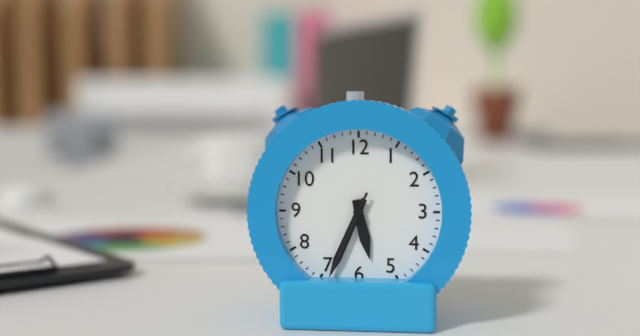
5:34:34
